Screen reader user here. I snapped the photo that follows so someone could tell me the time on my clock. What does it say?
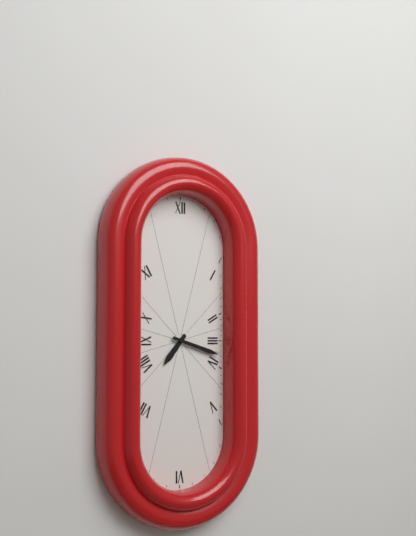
7:18
